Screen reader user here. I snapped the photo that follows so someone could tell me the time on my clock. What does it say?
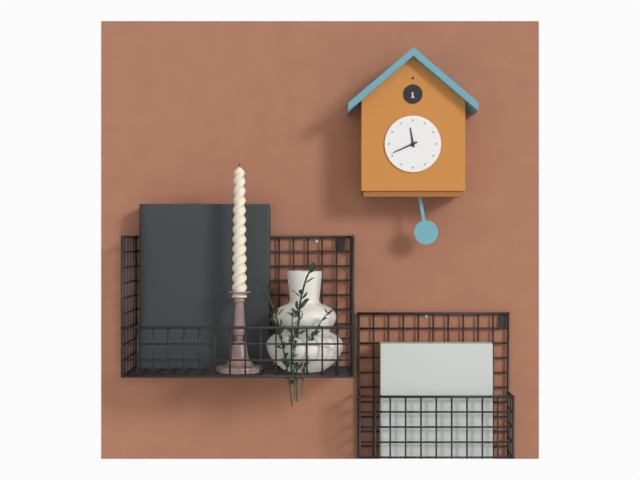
11:41
